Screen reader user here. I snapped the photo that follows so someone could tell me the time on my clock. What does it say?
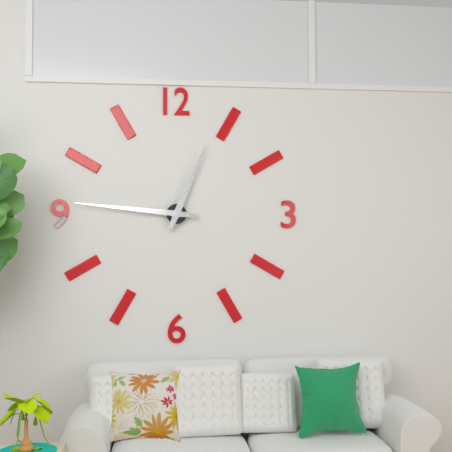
12:46
